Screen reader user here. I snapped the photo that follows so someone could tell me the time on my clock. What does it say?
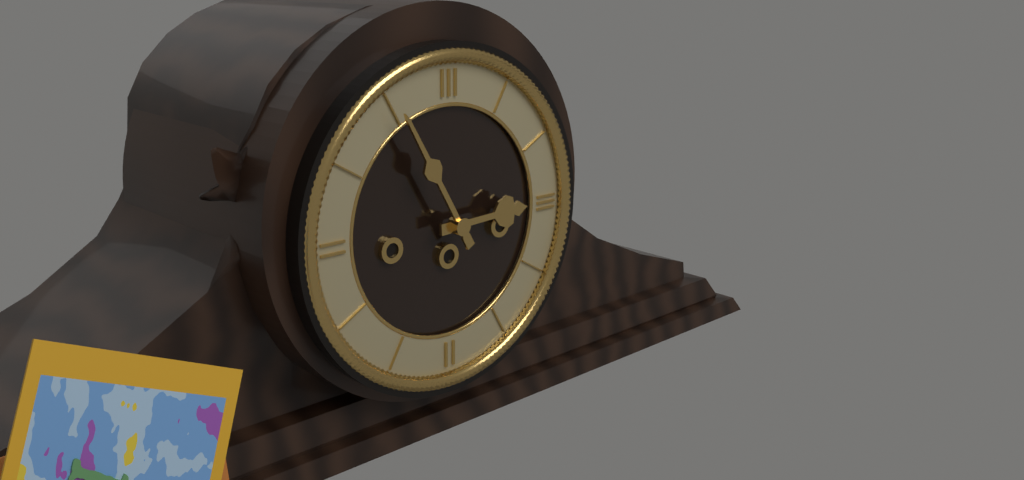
2:55
